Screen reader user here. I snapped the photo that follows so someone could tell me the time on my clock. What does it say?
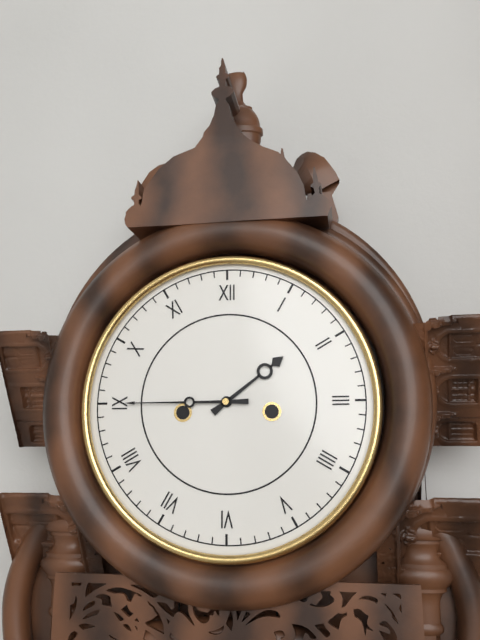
1:45
